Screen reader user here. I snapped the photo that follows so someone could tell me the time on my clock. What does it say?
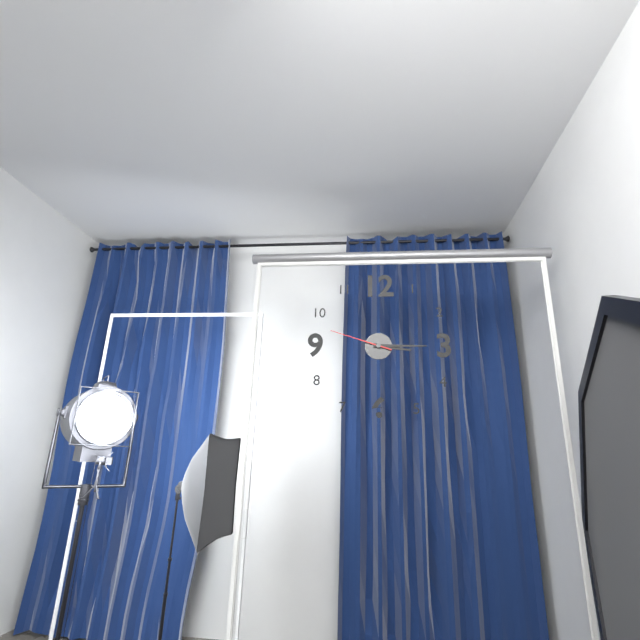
3:15:48
